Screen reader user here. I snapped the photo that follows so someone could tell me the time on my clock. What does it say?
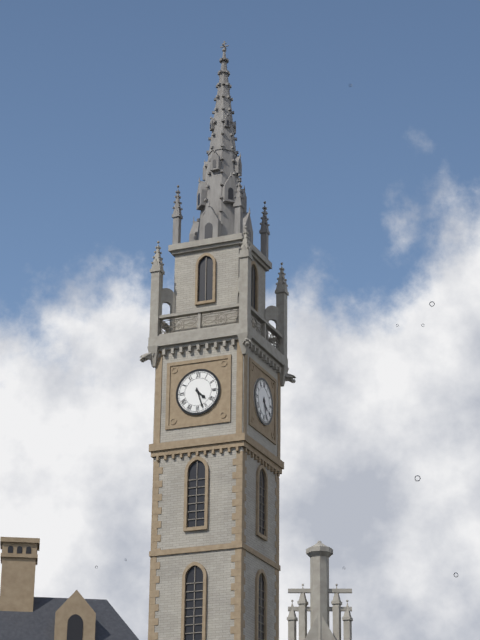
4:27
